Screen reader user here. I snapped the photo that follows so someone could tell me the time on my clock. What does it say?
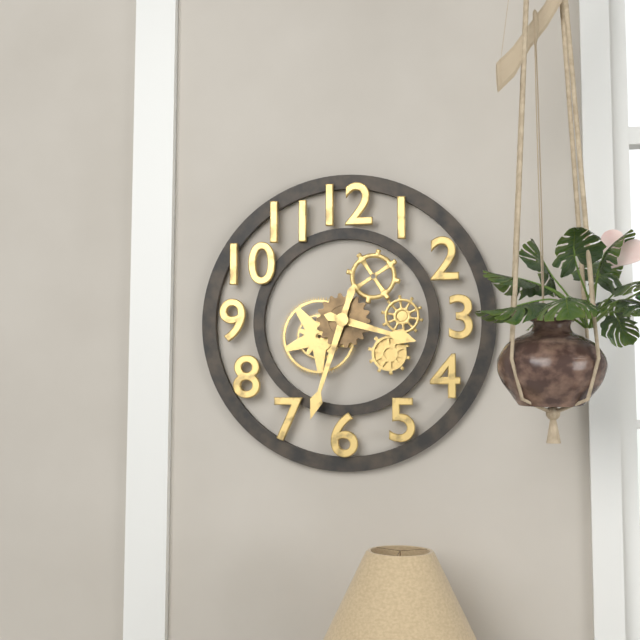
3:33
